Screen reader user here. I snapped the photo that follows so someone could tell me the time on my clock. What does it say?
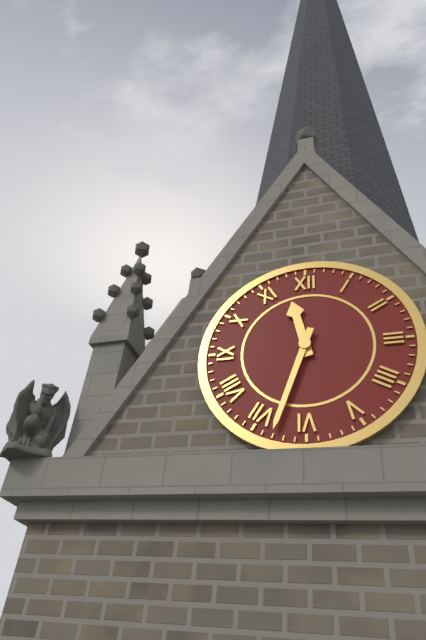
11:33
